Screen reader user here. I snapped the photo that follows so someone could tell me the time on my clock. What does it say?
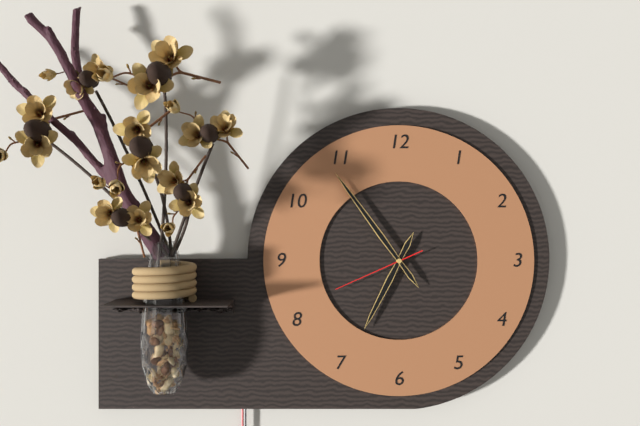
6:54:41
